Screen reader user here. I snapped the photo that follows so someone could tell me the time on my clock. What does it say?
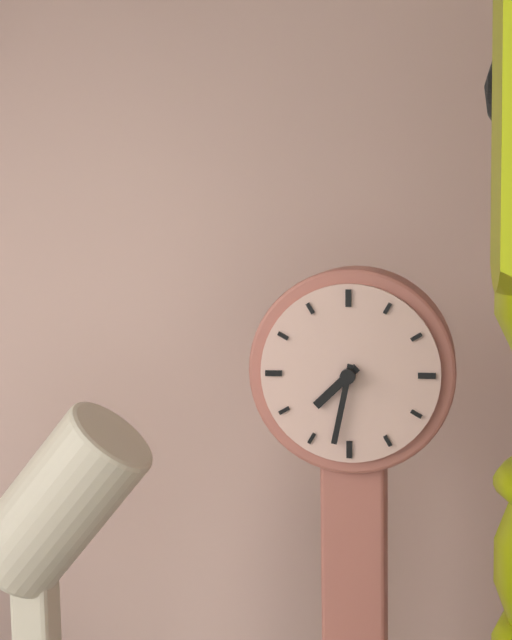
7:32
